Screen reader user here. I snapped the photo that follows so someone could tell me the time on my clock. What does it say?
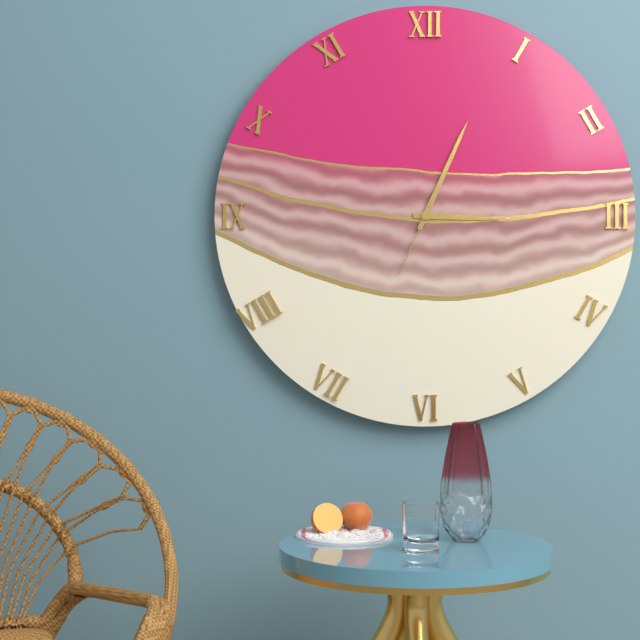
3:04:34
